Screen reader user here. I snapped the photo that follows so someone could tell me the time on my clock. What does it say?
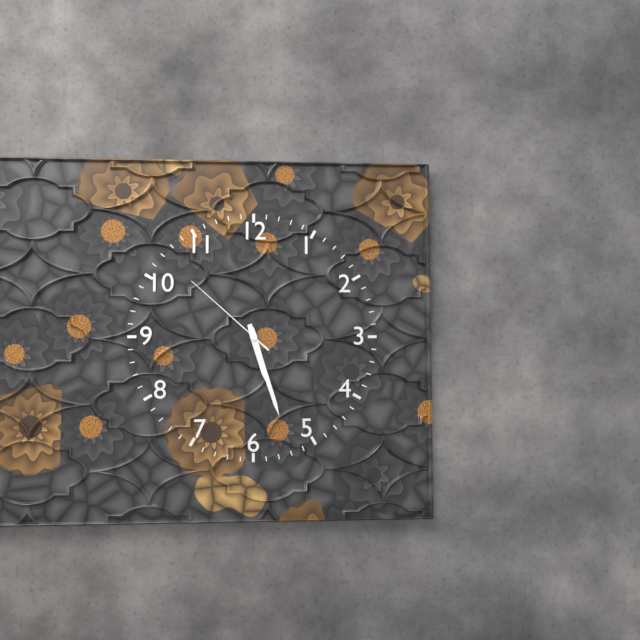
5:27:52
